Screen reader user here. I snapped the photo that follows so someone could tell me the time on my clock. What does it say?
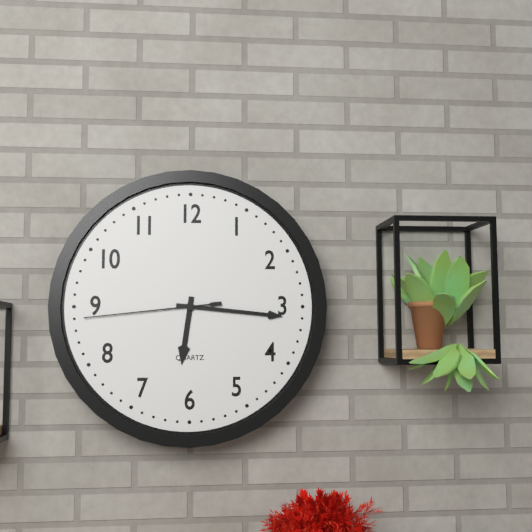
6:16:44
